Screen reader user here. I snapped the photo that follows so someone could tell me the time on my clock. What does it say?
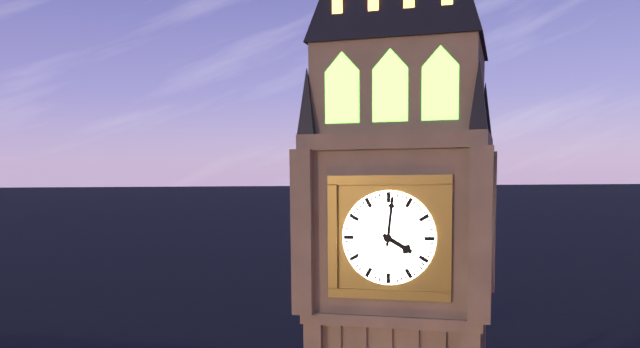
4:01
